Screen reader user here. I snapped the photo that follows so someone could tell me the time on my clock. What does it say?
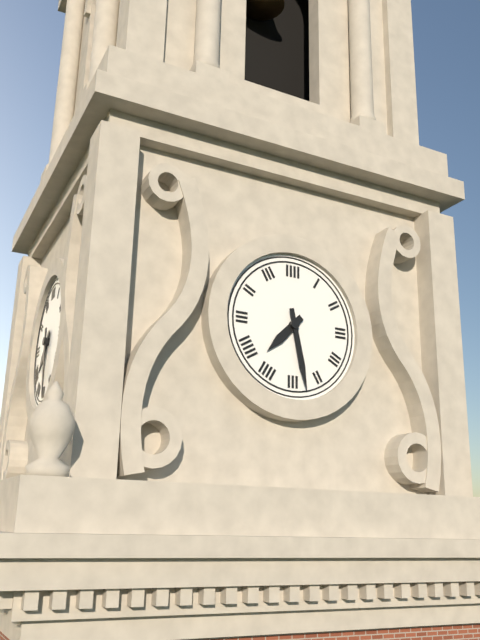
7:28
